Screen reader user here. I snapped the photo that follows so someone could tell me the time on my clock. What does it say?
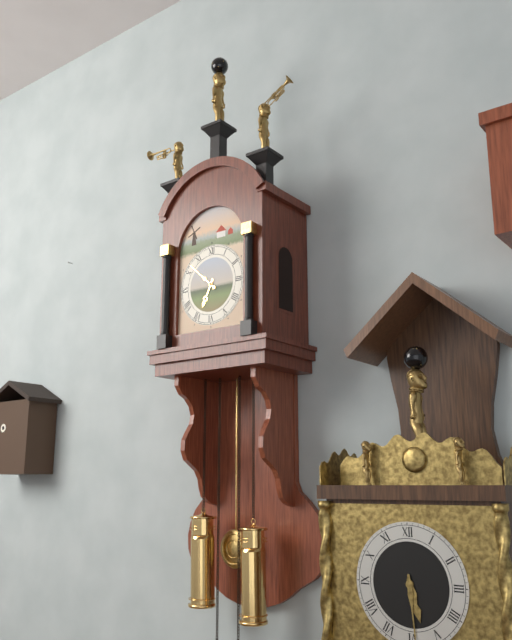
6:52
